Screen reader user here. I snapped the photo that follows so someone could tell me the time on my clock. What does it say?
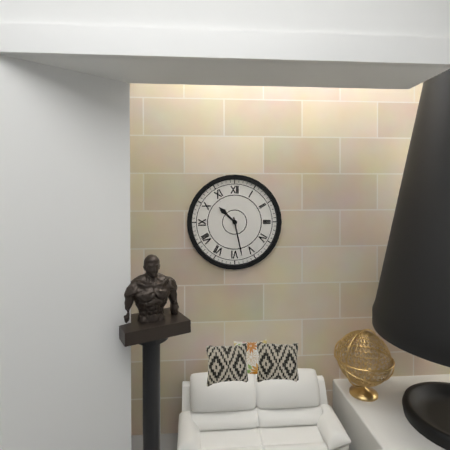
10:28
